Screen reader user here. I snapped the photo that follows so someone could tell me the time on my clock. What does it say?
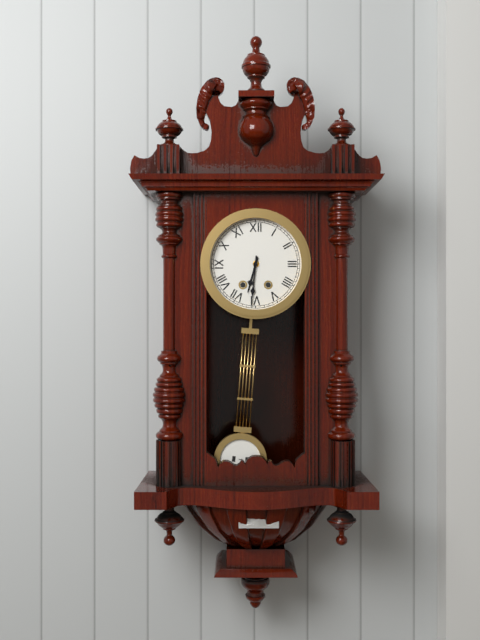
6:31
